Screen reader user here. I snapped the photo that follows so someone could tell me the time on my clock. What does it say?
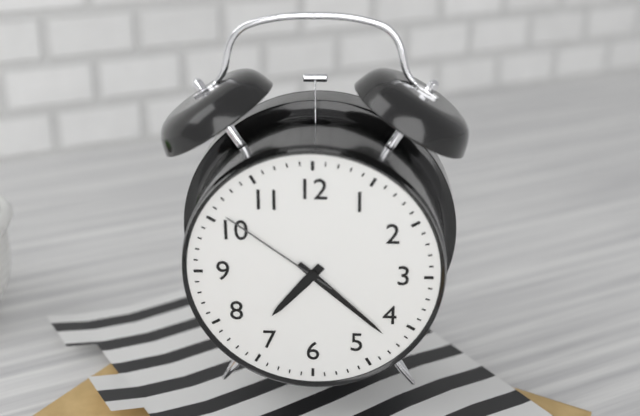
7:22:51
